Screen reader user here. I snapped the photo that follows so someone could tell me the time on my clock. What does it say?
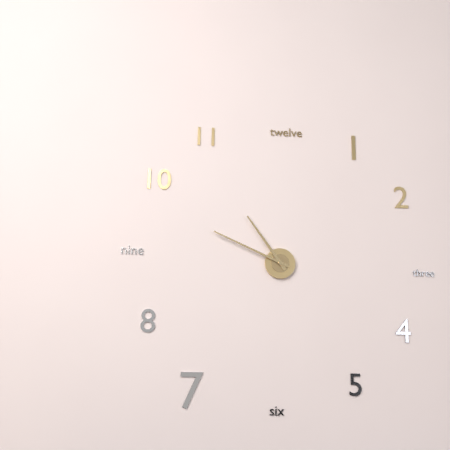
10:49
